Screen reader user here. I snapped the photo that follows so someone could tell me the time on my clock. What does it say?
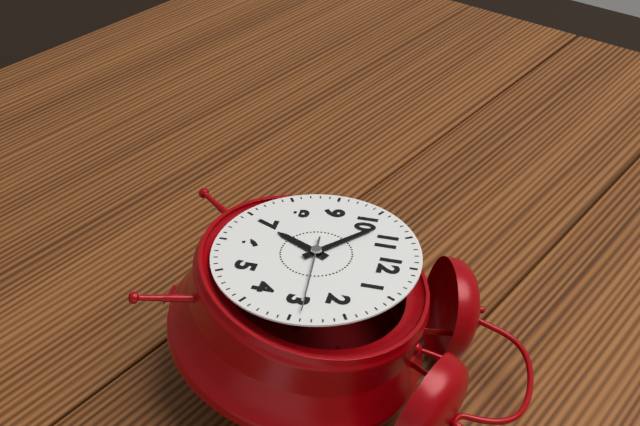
6:52:14
